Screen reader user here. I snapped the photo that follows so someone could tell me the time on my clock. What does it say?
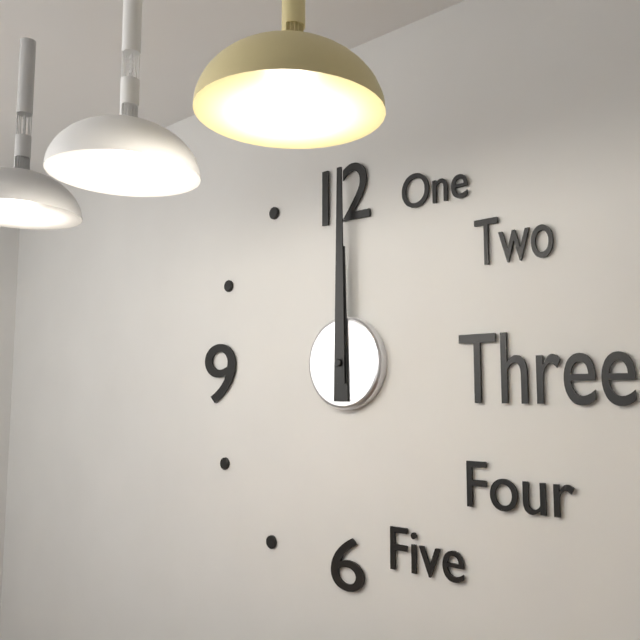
12:00
